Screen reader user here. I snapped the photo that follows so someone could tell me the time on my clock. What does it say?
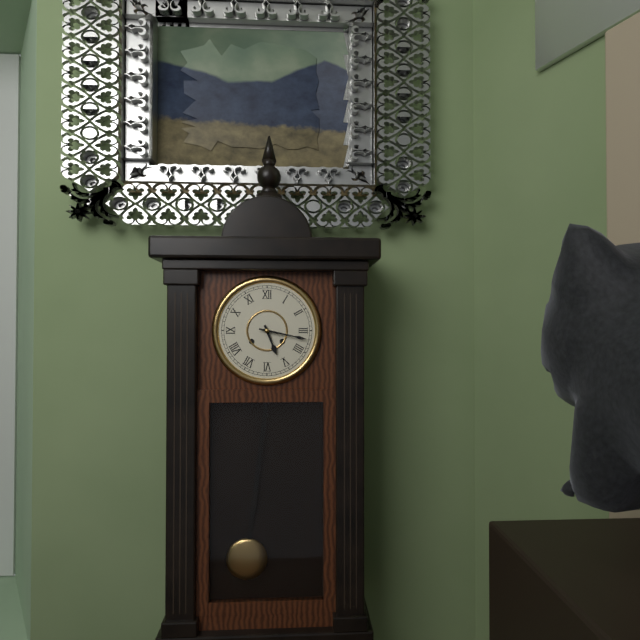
5:17
